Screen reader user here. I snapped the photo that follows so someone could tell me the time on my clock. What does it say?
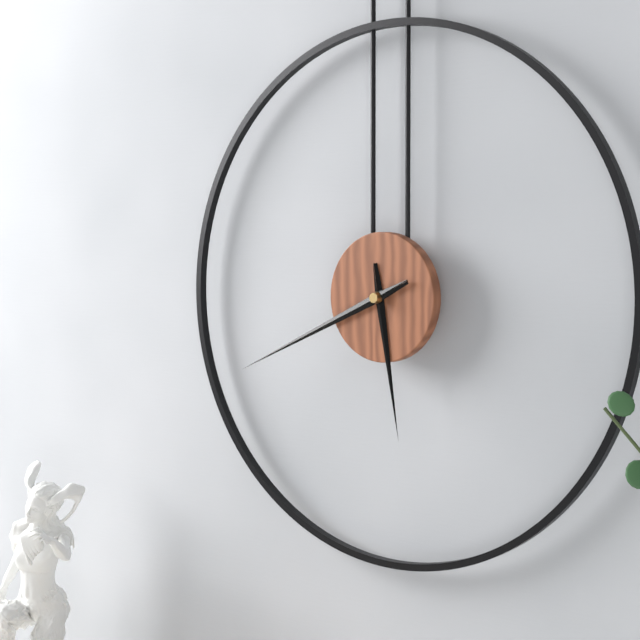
5:41
